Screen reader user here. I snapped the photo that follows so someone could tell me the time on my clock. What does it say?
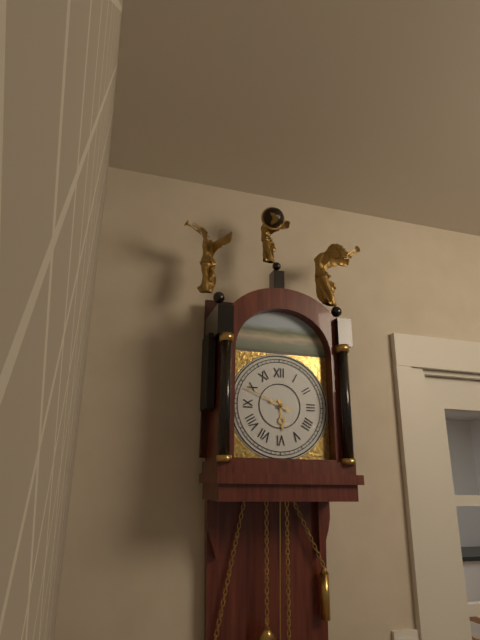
5:49
